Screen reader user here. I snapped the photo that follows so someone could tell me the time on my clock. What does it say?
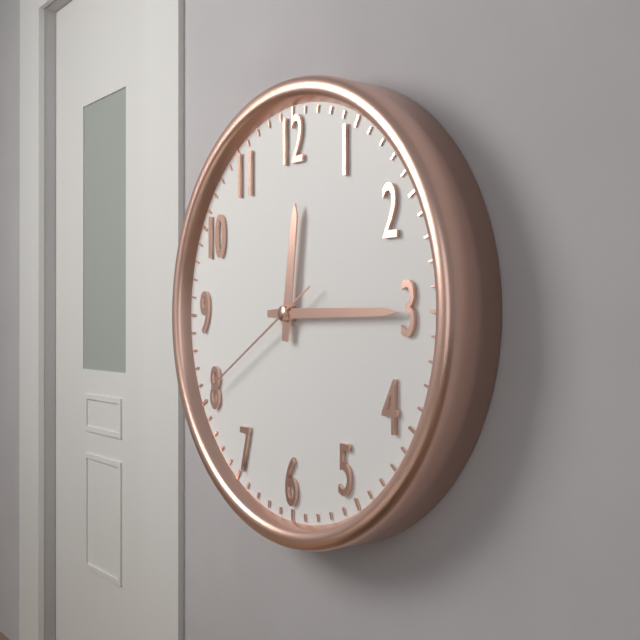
12:15:40
